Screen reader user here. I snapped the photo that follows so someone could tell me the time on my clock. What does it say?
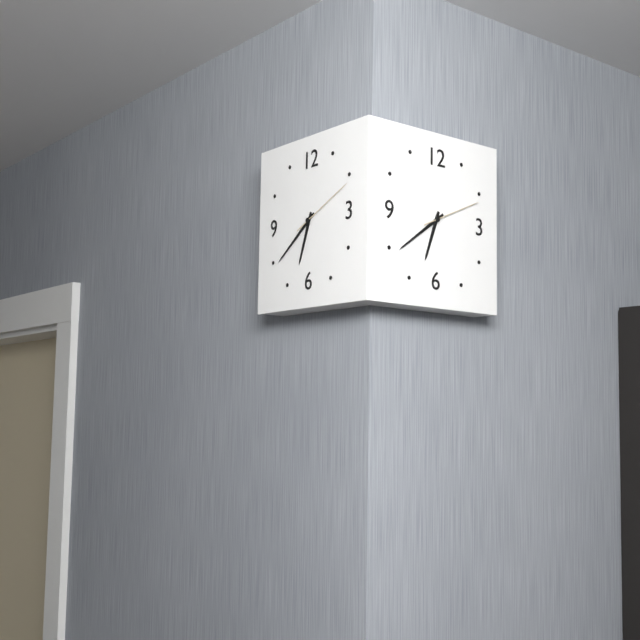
6:39:11
